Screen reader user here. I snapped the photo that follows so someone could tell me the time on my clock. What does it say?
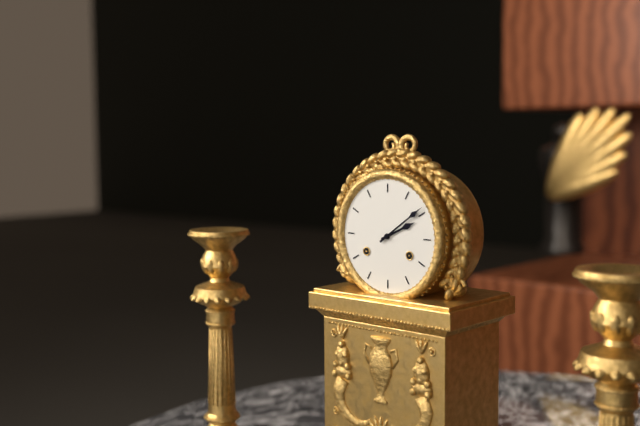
2:09
